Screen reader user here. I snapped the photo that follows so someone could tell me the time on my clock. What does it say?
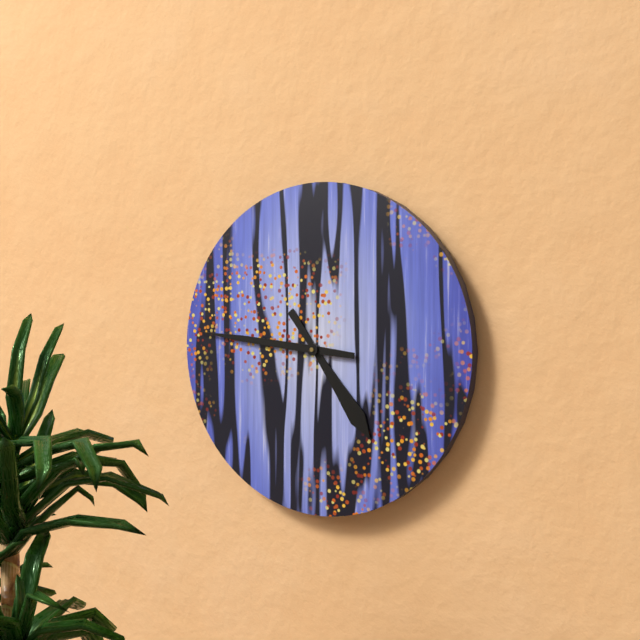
4:46
